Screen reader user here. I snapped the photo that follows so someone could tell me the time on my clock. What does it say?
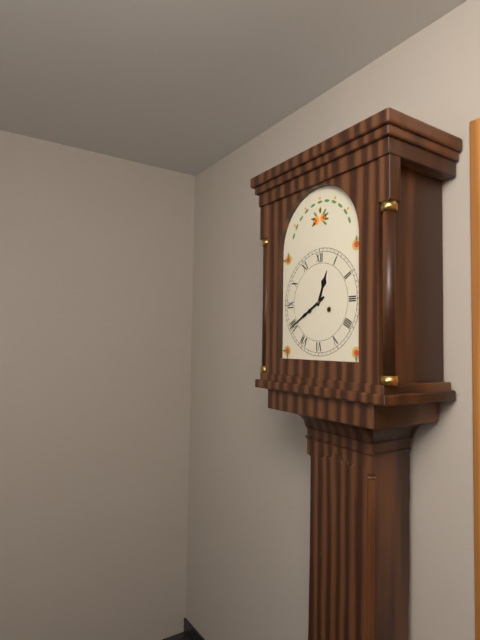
12:40
